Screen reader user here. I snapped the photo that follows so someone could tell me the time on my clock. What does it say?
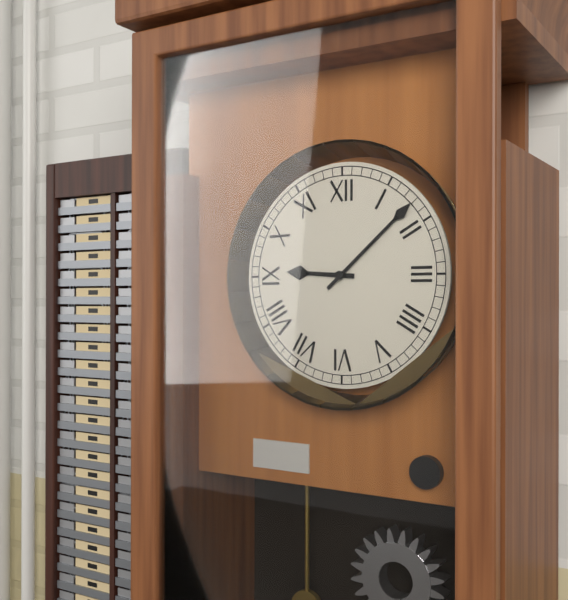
9:08
